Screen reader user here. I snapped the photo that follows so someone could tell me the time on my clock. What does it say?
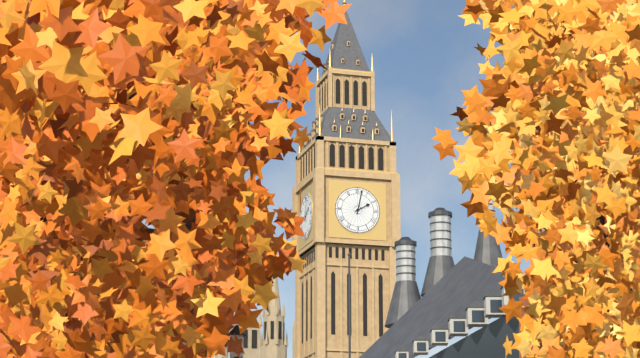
2:02
